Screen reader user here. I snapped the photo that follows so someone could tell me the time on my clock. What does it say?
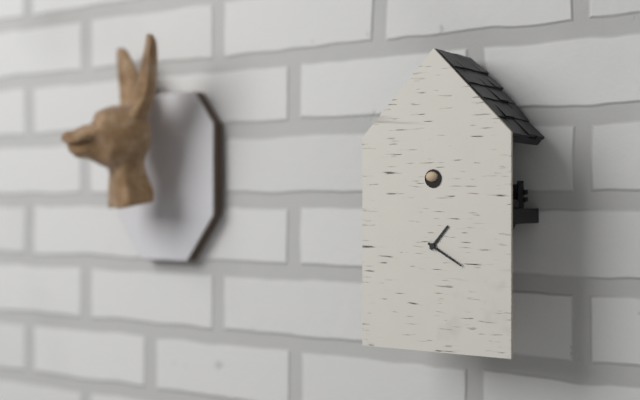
1:20
